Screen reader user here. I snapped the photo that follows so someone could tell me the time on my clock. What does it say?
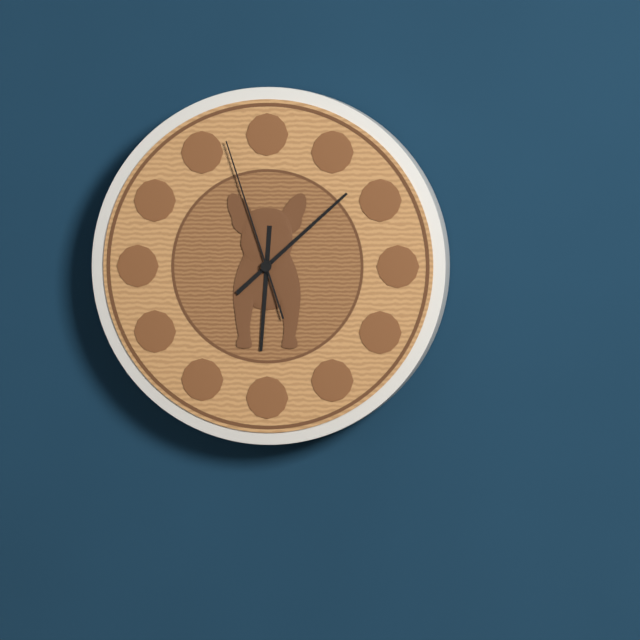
6:08:57
